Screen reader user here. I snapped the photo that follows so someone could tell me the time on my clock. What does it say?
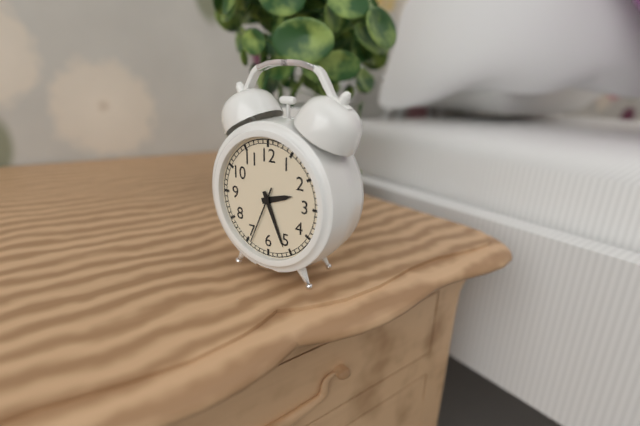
2:26:34
